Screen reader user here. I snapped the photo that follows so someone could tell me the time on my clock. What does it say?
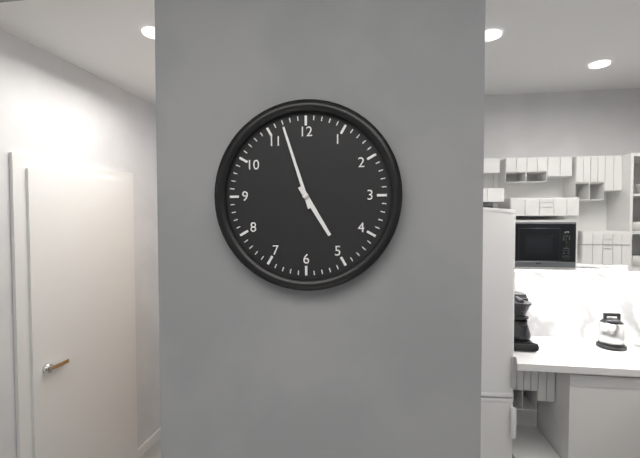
4:57
